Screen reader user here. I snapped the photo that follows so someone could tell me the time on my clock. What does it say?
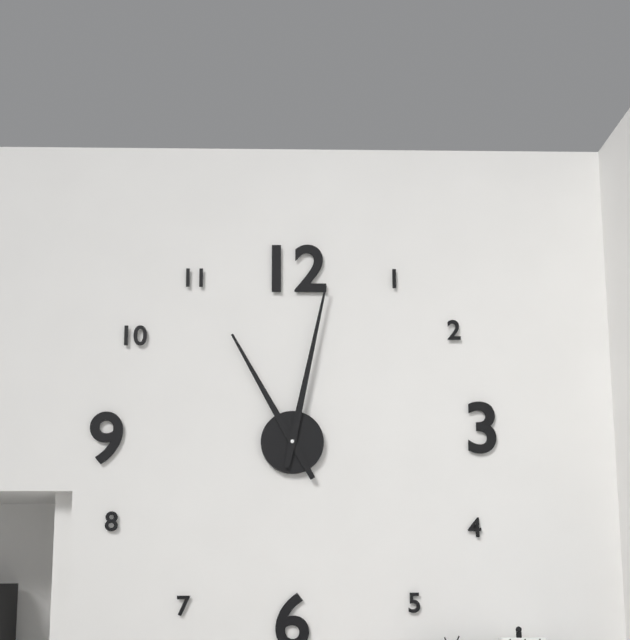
11:02
